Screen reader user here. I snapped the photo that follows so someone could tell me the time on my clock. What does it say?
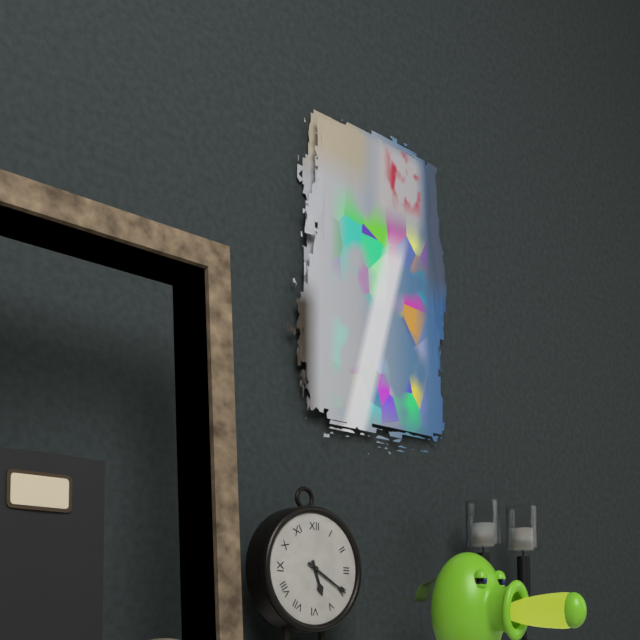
5:20
